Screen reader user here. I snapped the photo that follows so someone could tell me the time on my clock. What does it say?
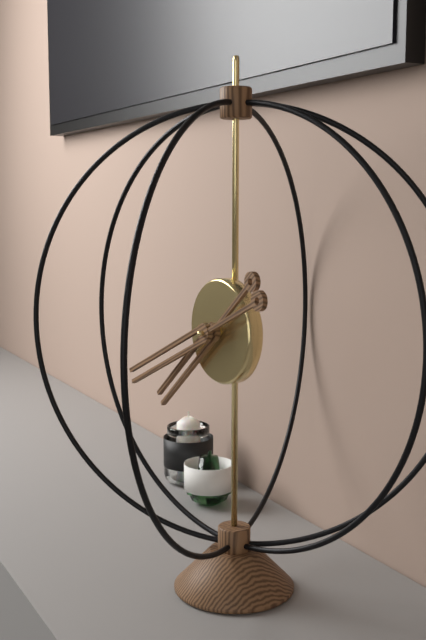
7:41
